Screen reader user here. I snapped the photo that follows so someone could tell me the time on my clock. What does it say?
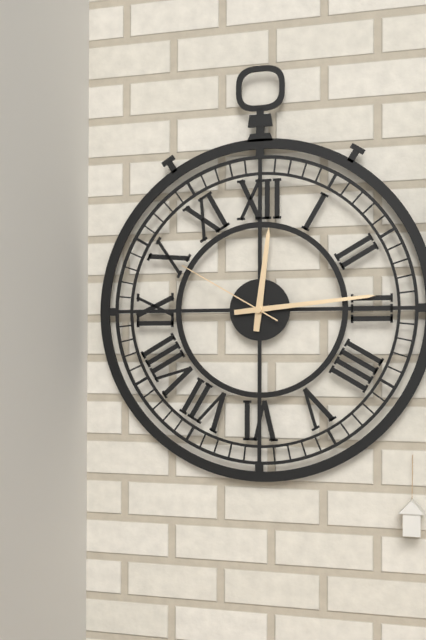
12:14:50
